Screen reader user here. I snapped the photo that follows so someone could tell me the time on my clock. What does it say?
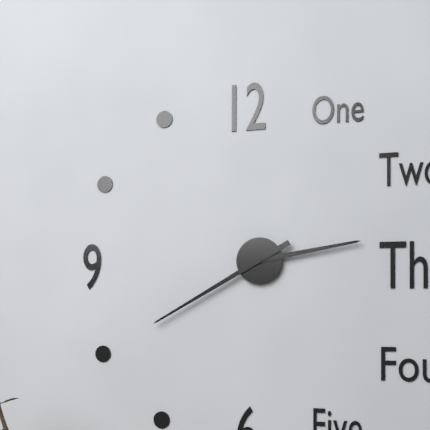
2:40
